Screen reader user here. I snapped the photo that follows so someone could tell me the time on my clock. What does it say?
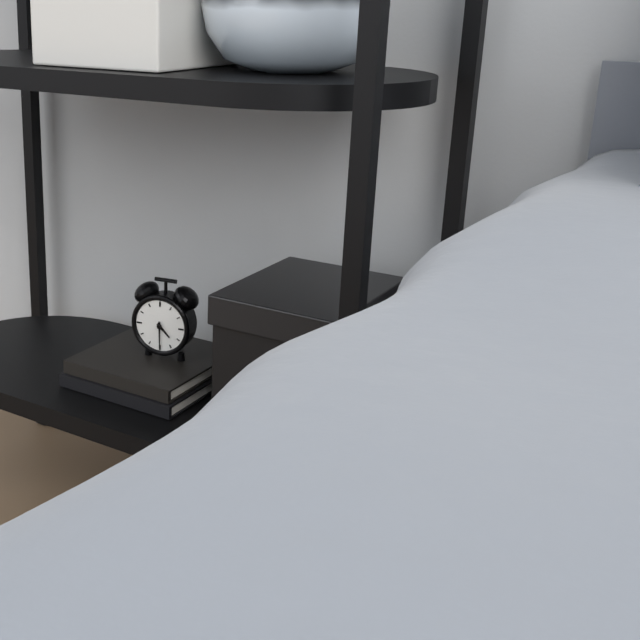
4:30
